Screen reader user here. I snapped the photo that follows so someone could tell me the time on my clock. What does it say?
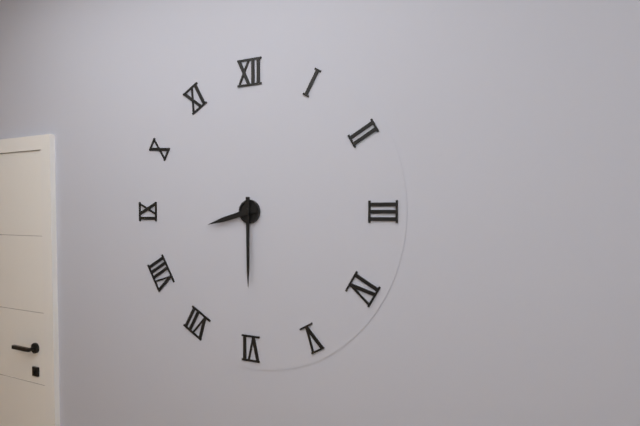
8:30
